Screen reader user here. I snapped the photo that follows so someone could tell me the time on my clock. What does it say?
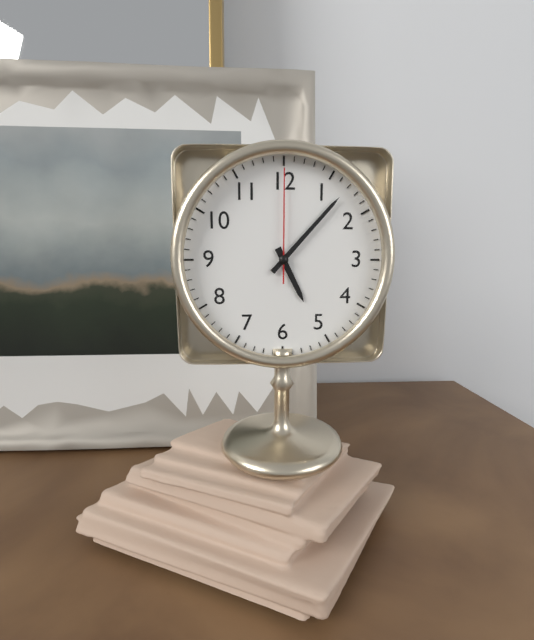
5:07:00
